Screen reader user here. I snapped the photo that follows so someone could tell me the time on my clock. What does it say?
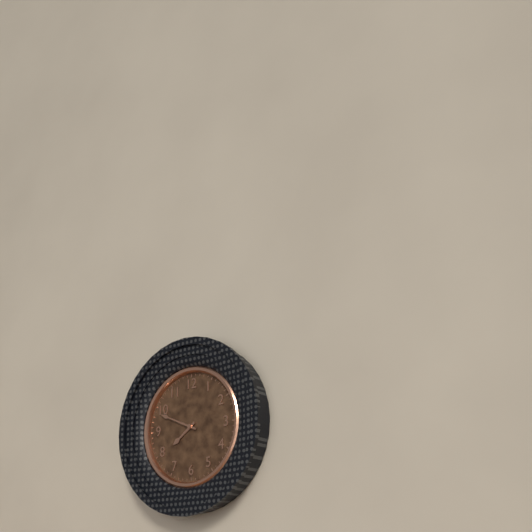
7:49
